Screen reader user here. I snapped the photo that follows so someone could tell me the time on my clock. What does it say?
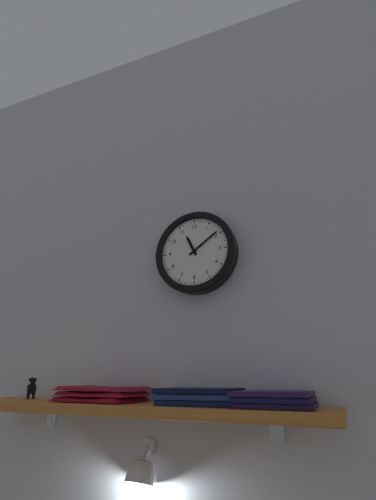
11:09
